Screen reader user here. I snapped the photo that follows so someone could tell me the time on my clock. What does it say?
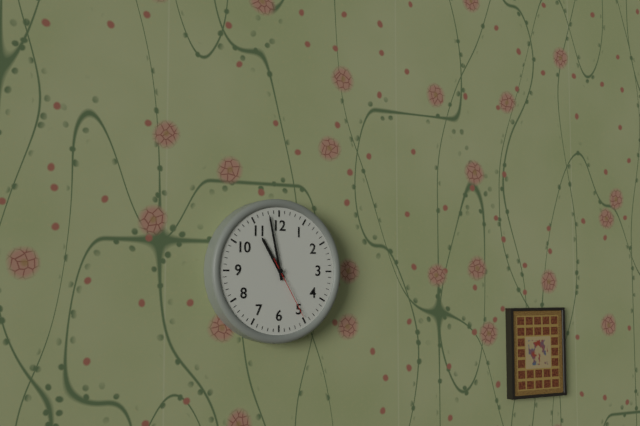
10:58:25
